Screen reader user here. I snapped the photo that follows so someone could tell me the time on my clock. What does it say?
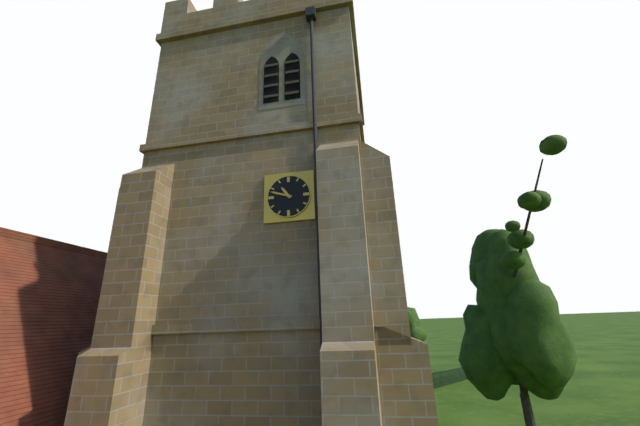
10:48
